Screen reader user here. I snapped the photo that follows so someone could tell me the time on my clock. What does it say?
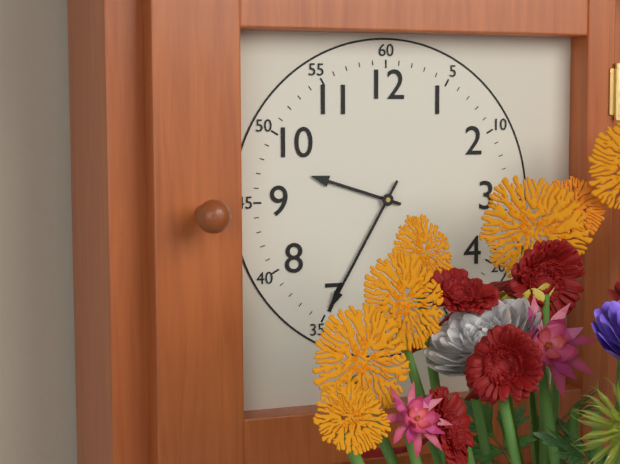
9:35
